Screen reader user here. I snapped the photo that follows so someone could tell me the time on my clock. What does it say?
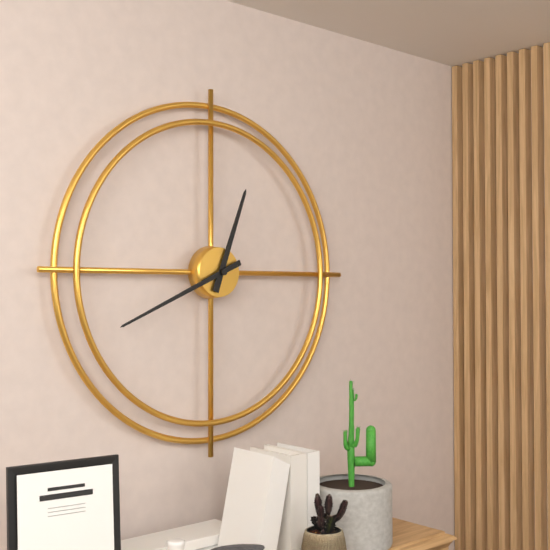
12:41
